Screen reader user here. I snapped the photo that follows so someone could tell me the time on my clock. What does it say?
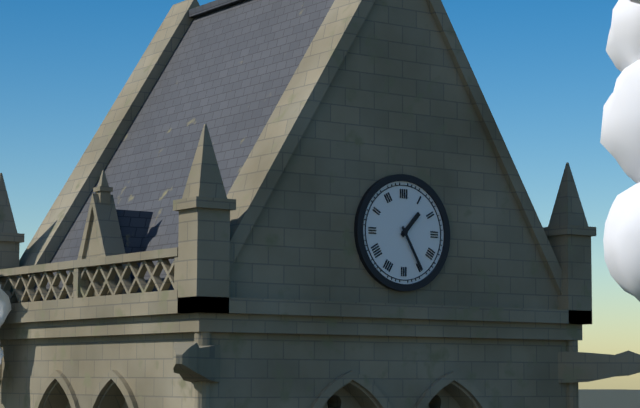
1:25
